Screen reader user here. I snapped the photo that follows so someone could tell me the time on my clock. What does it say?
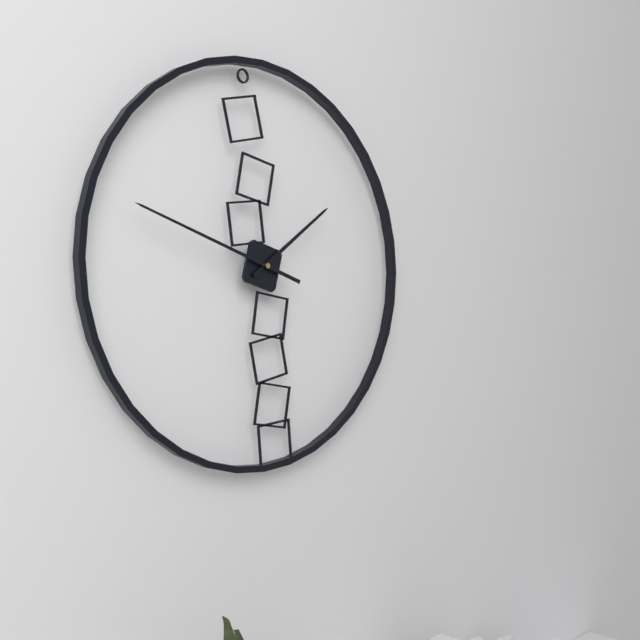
1:48
